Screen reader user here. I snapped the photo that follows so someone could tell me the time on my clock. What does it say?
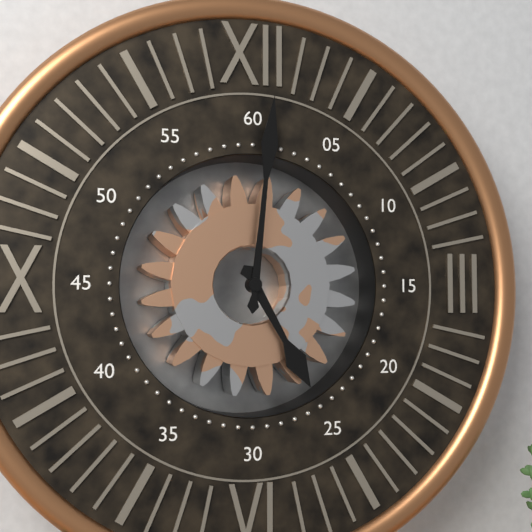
5:01
